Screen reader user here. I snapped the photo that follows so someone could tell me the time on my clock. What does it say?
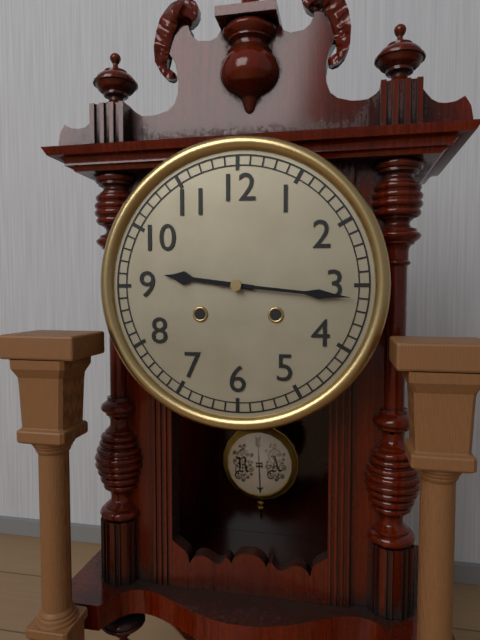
9:16
